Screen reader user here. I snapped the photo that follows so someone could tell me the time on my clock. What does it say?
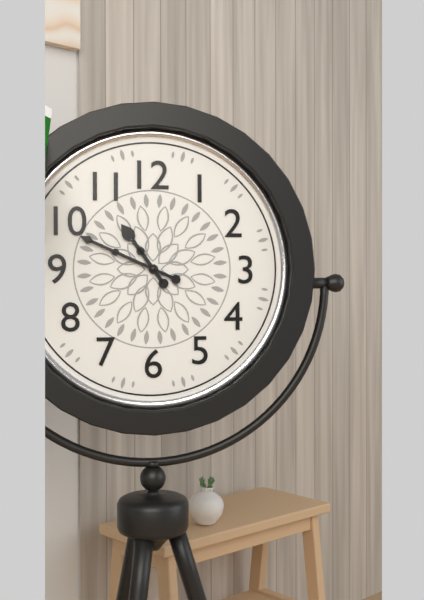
10:49
